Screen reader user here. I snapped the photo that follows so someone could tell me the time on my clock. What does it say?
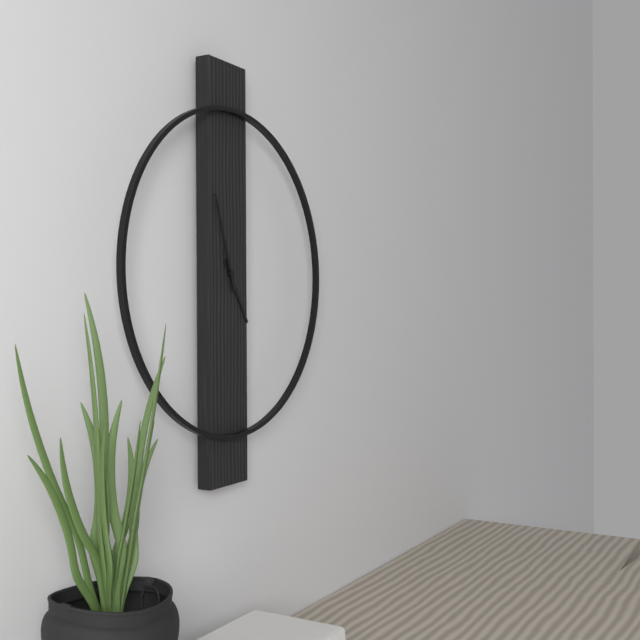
4:57
